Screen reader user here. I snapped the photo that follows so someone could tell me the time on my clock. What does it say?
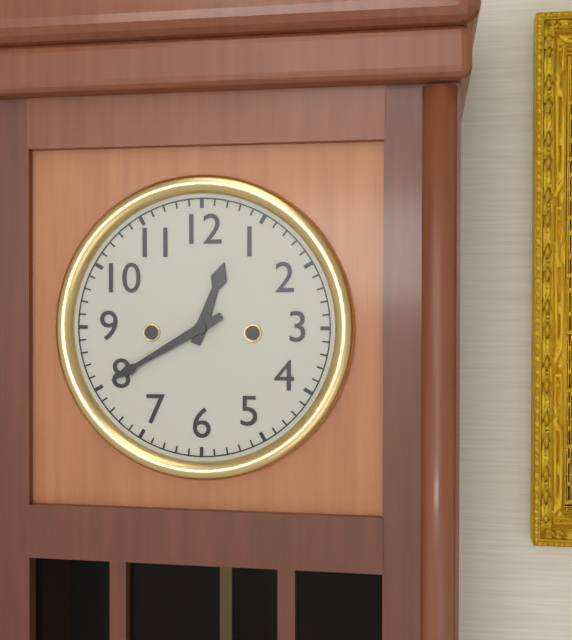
12:40
